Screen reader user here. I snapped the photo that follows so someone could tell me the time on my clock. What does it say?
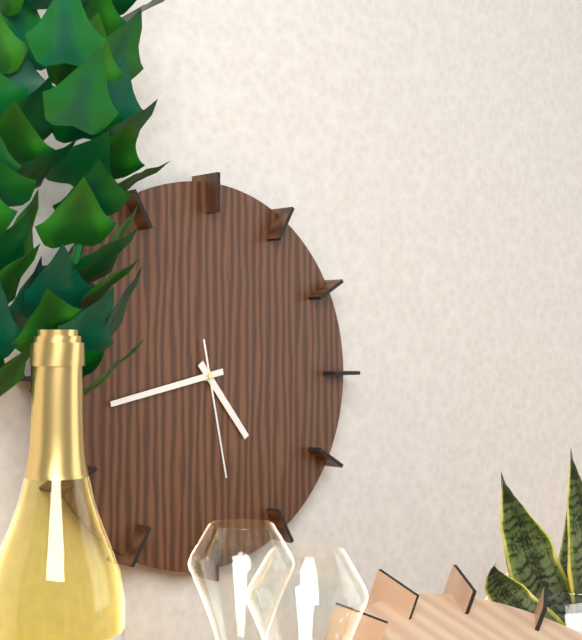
4:43:28
